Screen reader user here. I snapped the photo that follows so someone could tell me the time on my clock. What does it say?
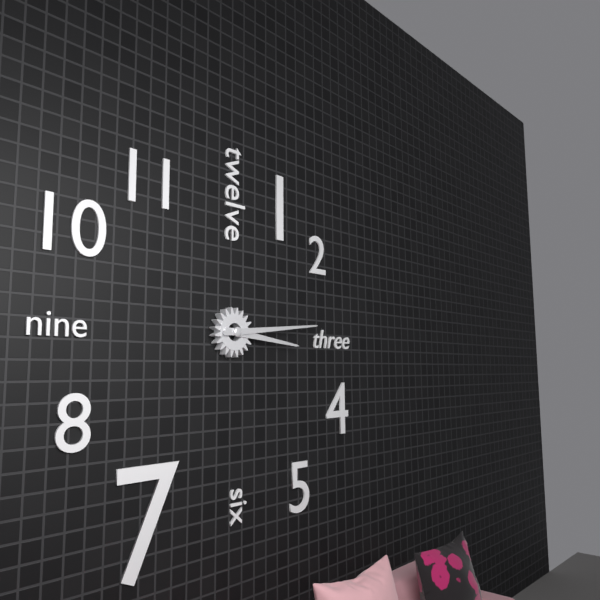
3:14
